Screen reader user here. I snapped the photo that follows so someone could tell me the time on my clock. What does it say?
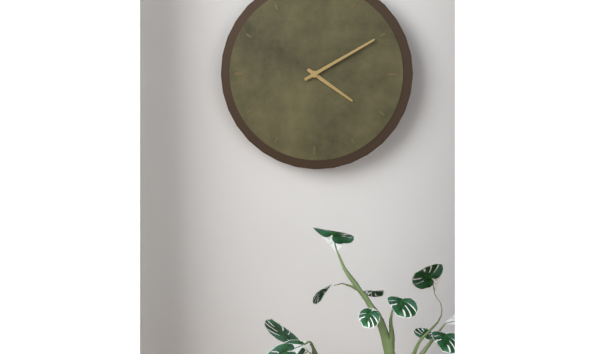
4:10
